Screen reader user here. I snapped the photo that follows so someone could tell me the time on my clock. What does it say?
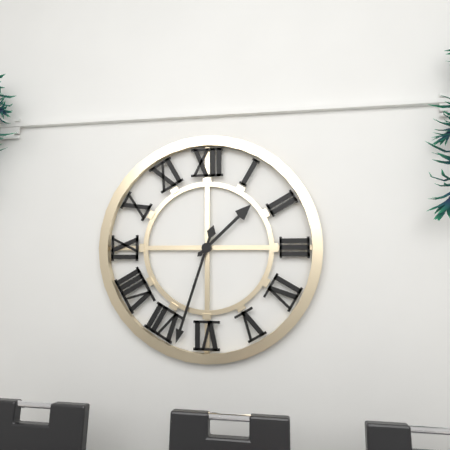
1:33
